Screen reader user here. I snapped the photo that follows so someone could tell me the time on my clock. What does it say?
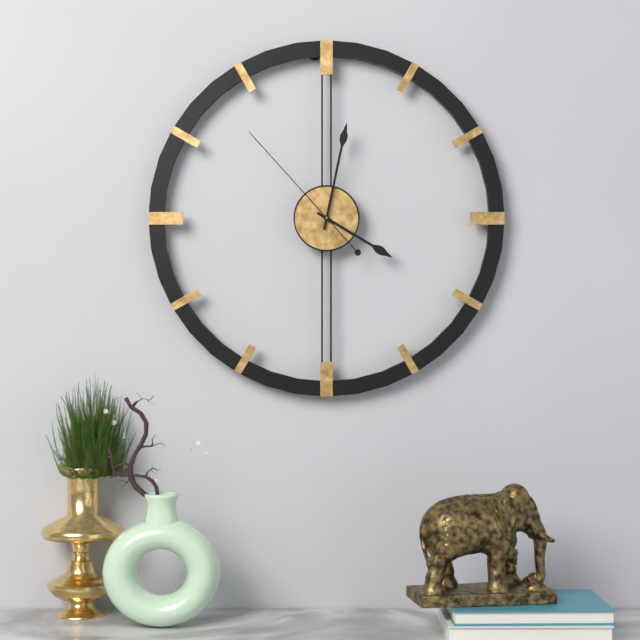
4:02:53
